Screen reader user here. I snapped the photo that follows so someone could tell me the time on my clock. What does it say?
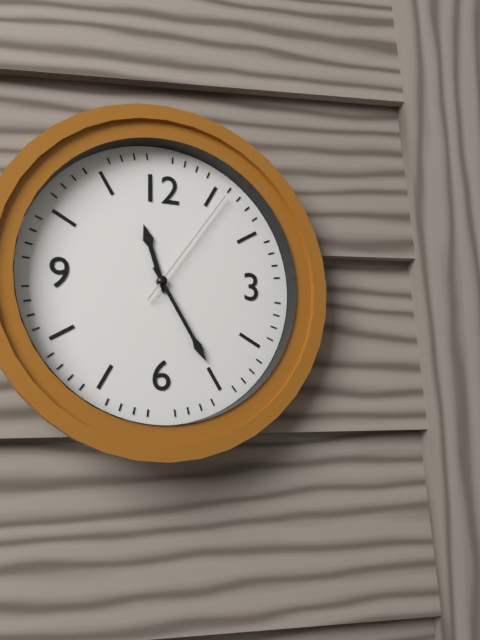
11:25:06
